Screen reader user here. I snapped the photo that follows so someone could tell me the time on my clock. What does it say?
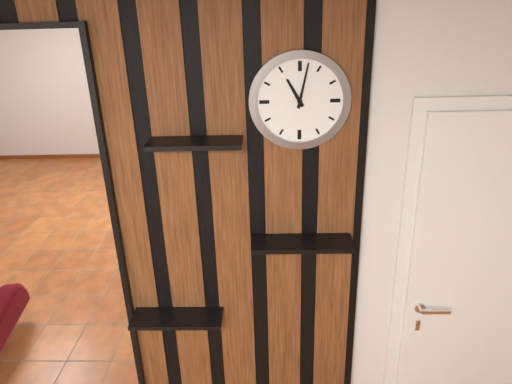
11:02
